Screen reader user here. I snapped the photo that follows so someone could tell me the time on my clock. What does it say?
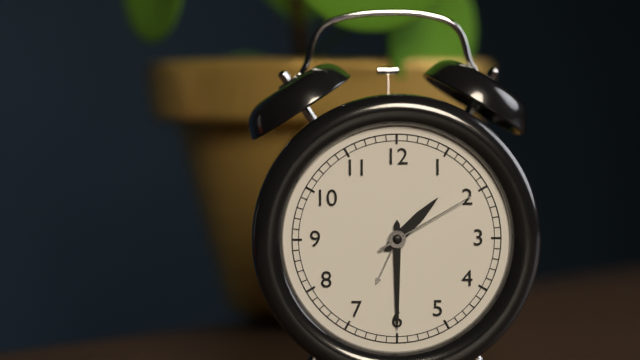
1:30:10
